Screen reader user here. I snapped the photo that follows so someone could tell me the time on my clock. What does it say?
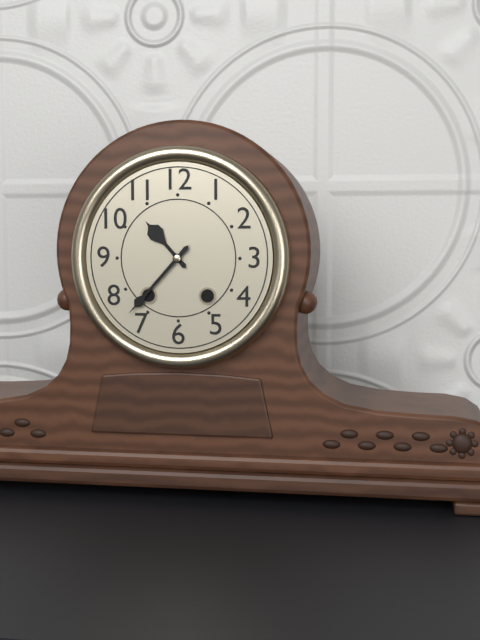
10:37
